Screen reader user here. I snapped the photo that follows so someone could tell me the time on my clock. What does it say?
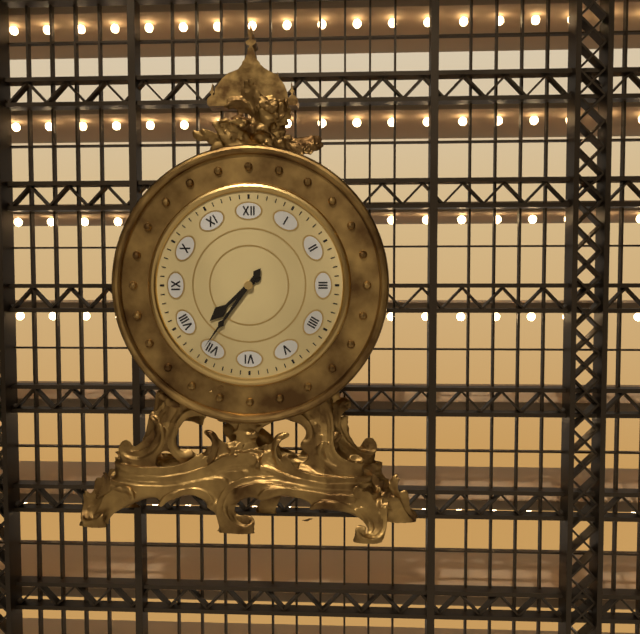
7:36
